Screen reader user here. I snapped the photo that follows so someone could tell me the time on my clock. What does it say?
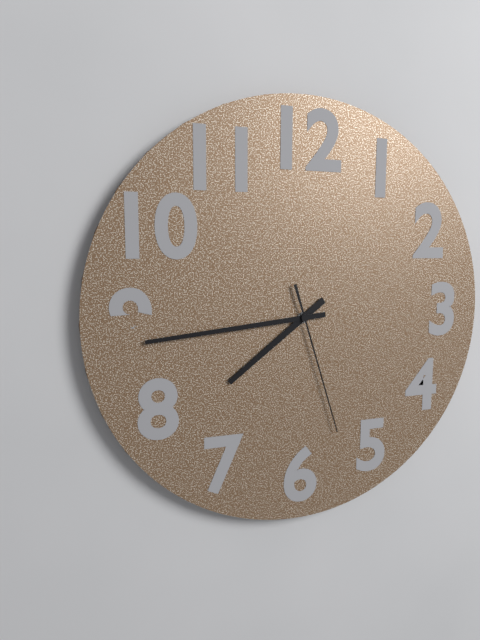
7:44:27
